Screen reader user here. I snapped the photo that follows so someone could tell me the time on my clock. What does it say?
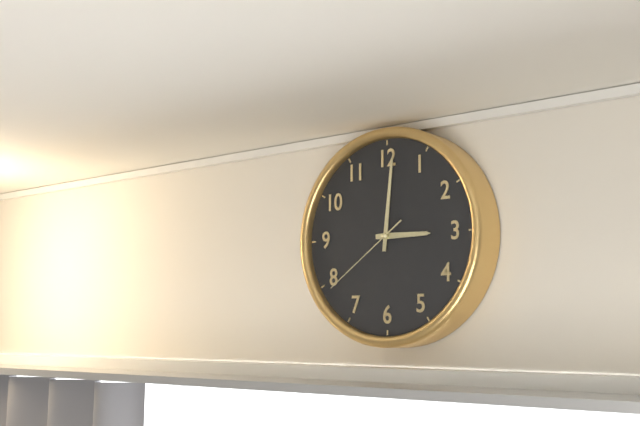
3:01:39
